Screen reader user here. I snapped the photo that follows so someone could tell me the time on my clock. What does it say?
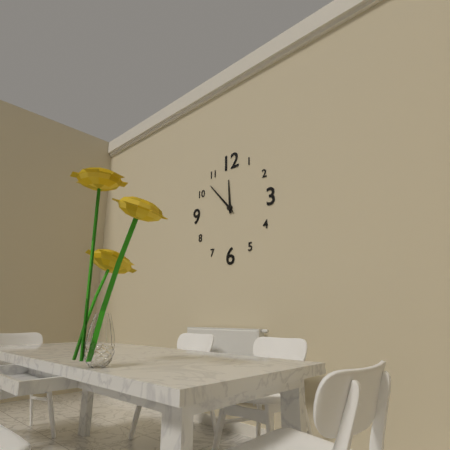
11:53
